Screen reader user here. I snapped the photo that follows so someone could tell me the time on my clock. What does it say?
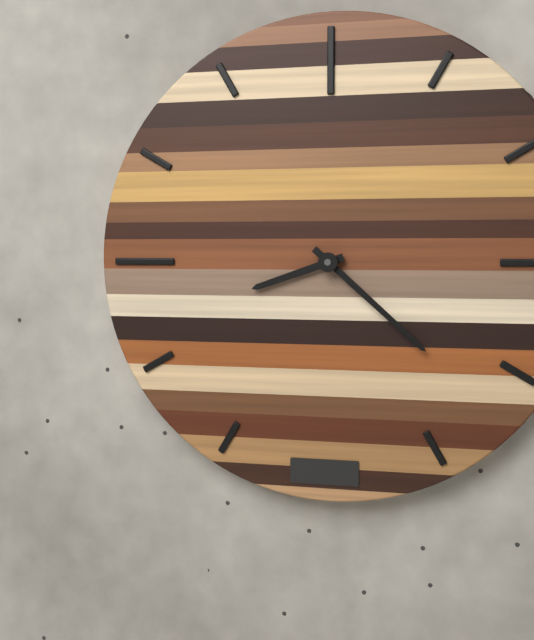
8:22
